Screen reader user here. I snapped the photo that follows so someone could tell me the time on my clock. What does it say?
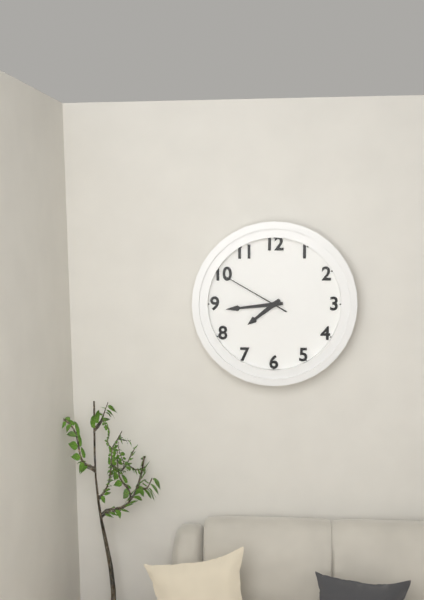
7:44:50
